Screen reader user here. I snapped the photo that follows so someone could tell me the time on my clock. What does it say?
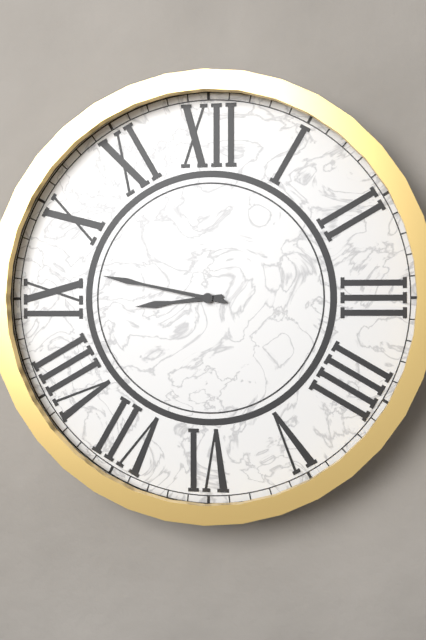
8:47
